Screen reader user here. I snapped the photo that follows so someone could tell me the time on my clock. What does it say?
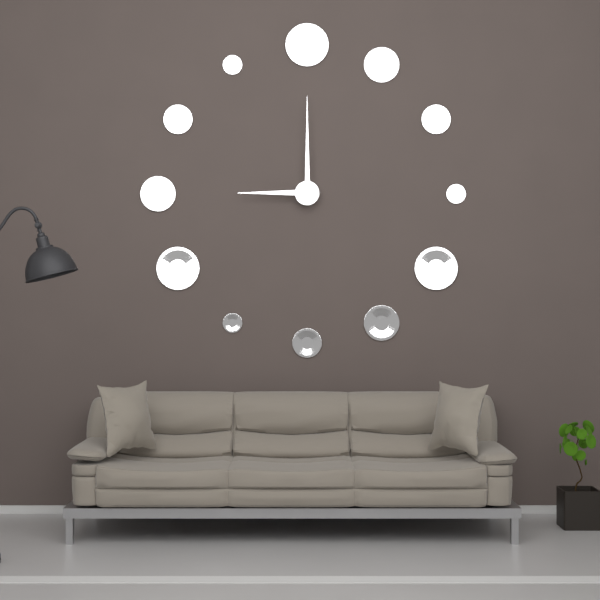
9:00
